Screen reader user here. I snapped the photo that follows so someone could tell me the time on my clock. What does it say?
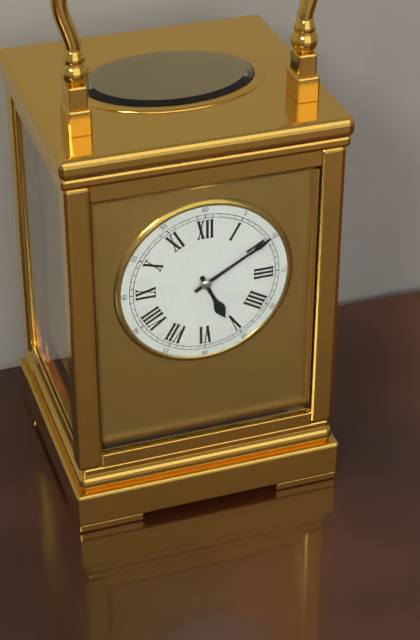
5:10
